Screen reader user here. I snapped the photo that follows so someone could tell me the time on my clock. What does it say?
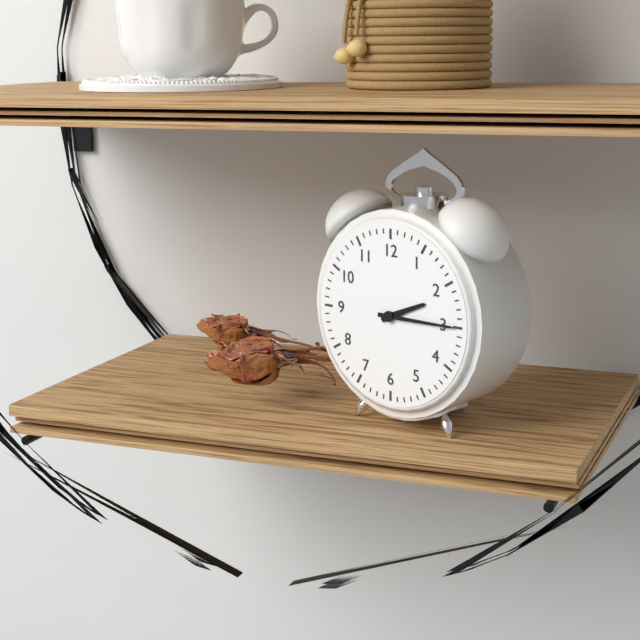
2:15
